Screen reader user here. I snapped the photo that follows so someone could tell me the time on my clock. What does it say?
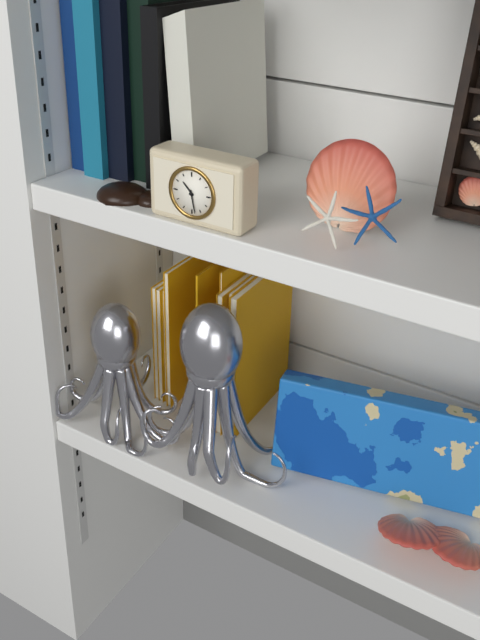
10:28
